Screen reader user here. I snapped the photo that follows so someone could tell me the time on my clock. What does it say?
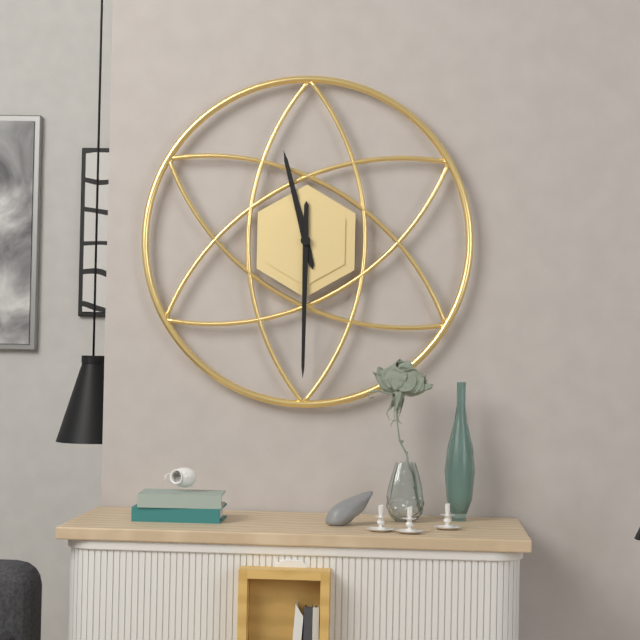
11:30
